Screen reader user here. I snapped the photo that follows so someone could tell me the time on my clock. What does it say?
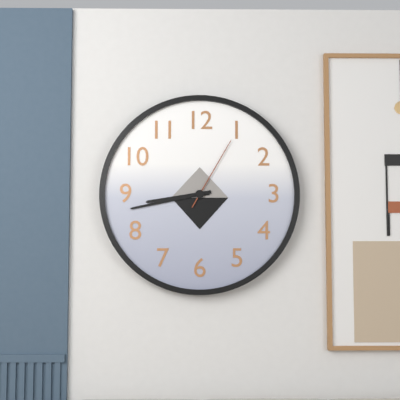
8:43:05
